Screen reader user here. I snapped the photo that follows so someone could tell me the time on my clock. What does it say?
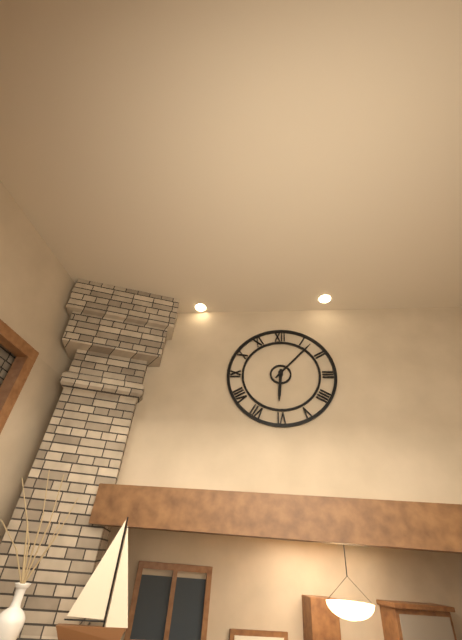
6:07
